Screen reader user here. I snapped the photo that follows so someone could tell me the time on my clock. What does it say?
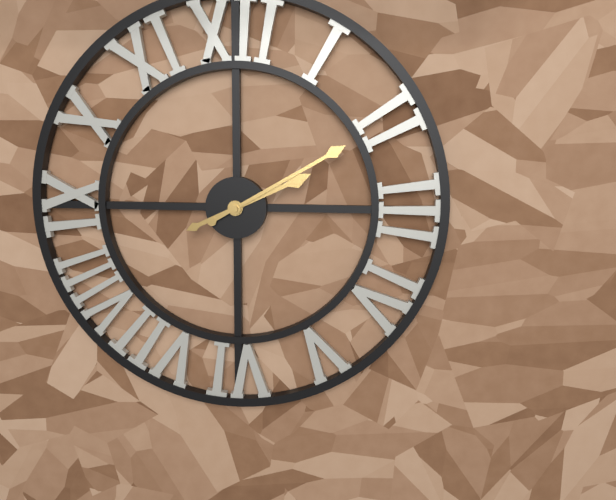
2:10
